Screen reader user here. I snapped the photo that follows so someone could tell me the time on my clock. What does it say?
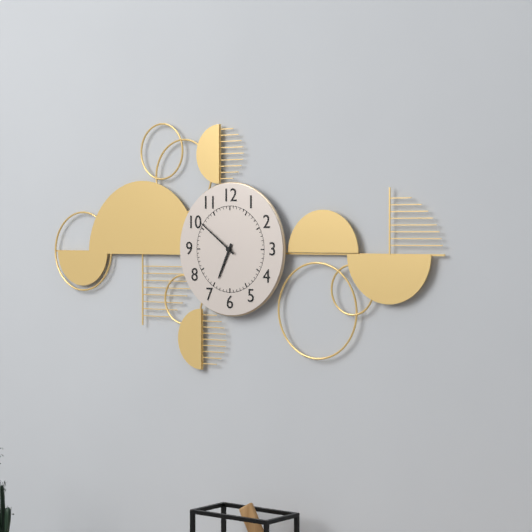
6:51
